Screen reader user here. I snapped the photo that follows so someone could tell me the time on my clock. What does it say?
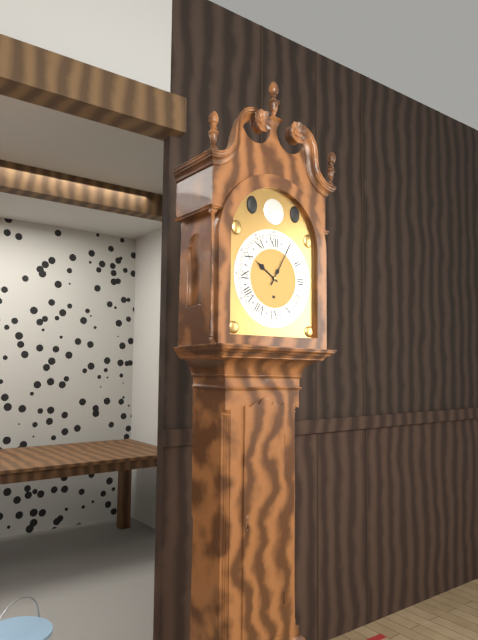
10:05
